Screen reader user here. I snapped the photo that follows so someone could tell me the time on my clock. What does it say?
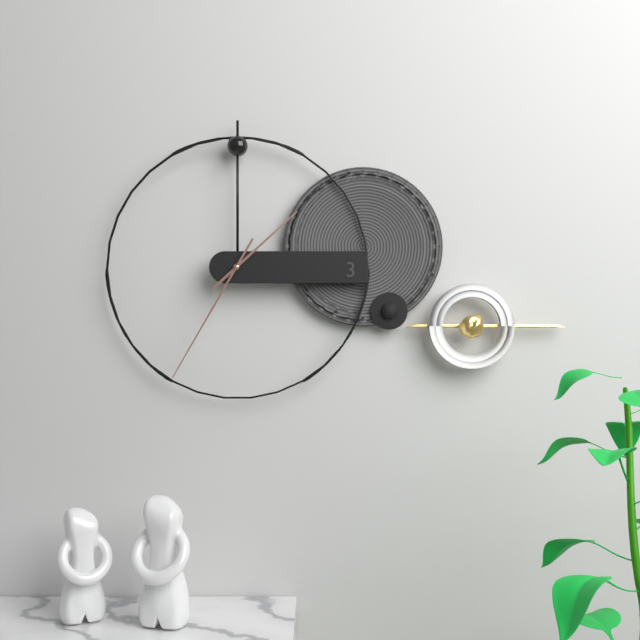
1:35
